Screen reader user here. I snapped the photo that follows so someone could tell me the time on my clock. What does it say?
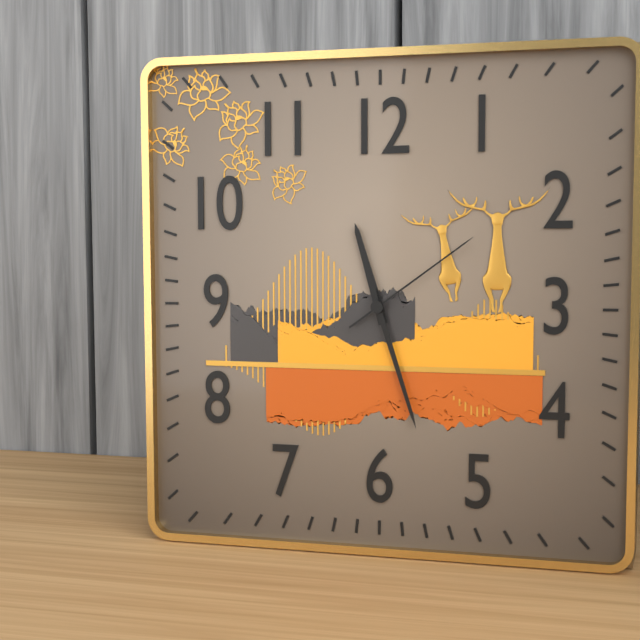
11:27:09
